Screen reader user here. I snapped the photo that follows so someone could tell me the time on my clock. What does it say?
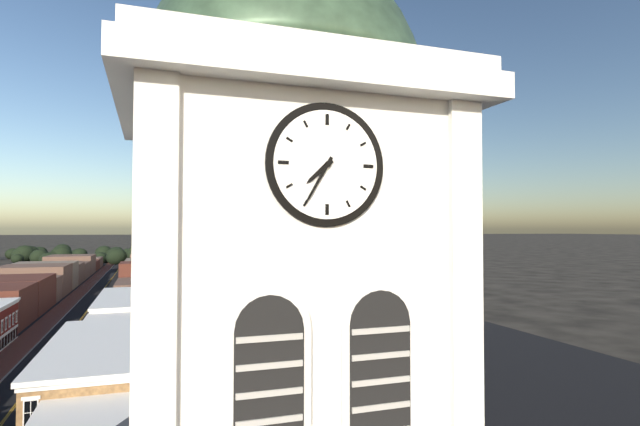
7:35
